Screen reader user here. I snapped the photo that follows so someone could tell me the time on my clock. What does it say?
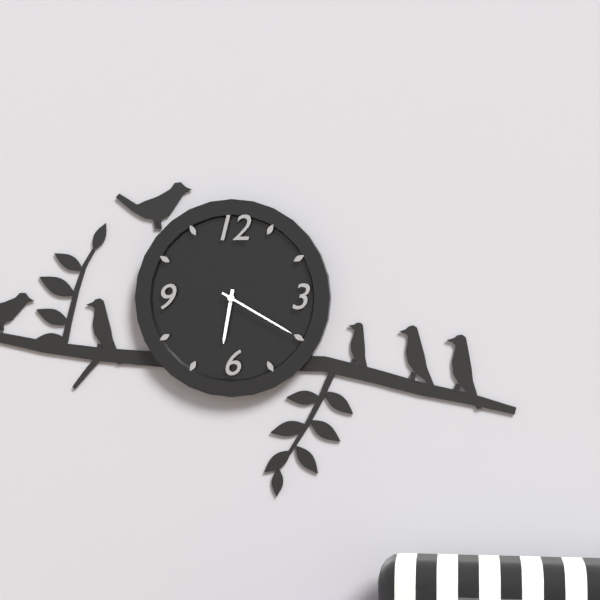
6:20
